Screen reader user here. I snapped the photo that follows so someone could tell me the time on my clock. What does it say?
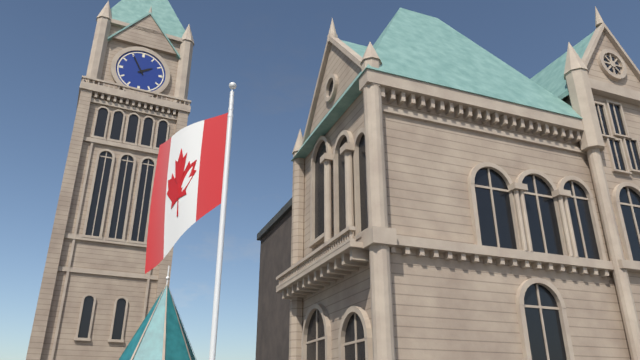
1:55
